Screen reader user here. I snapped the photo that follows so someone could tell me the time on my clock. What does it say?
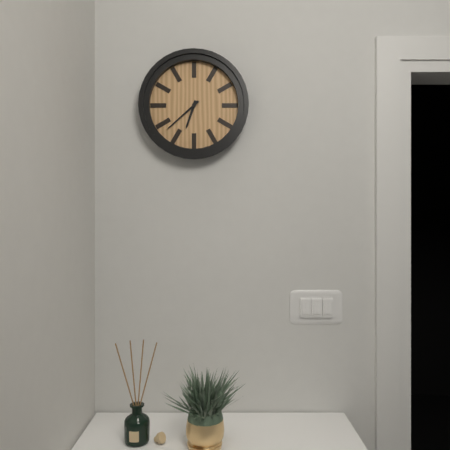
6:38
